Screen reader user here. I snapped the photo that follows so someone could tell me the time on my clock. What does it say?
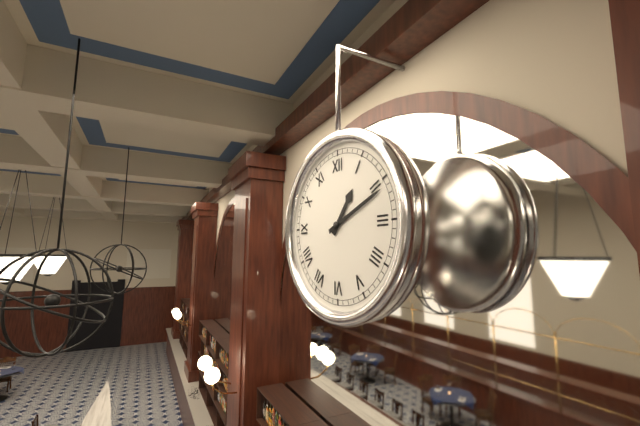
1:11
